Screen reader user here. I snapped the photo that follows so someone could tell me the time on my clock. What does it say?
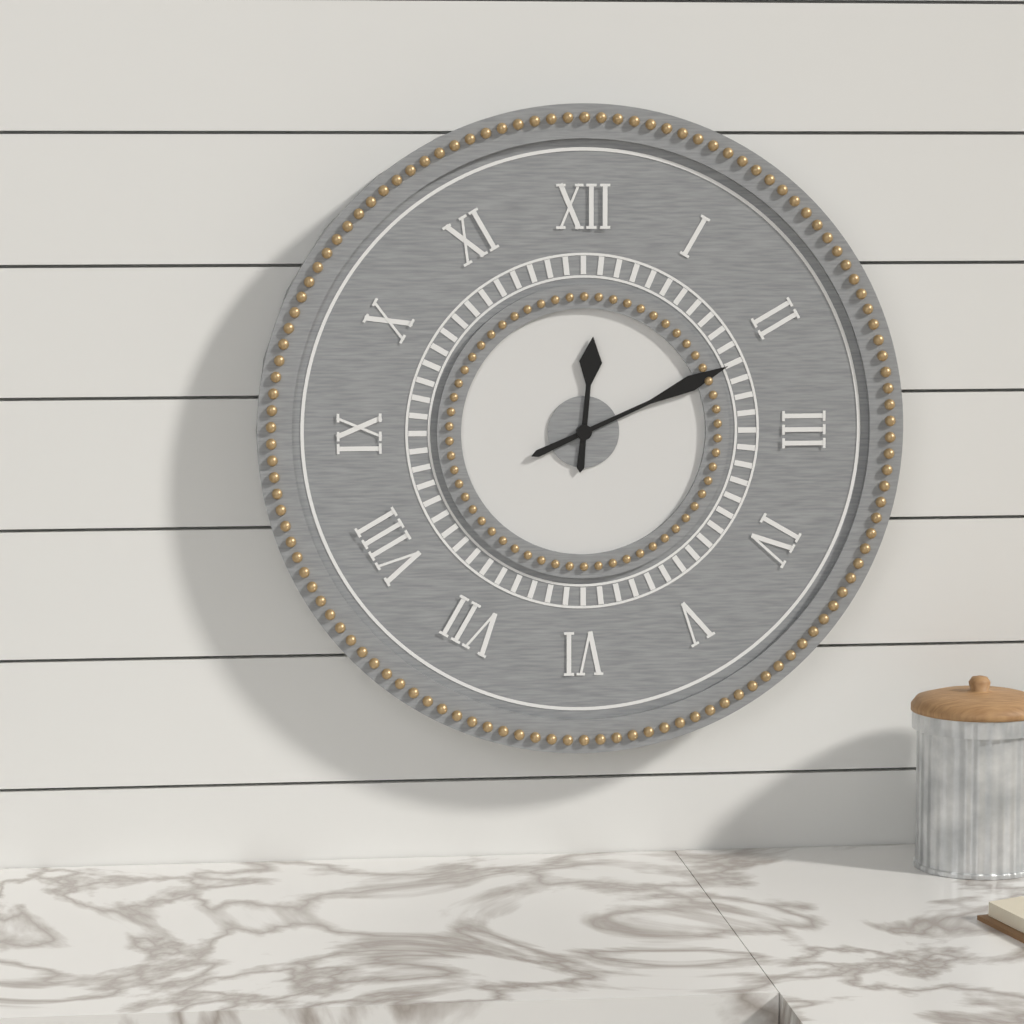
12:11
